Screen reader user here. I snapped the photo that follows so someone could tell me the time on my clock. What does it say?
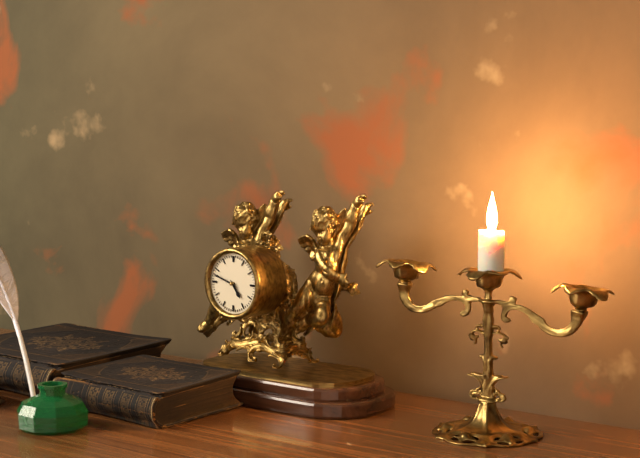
4:48
